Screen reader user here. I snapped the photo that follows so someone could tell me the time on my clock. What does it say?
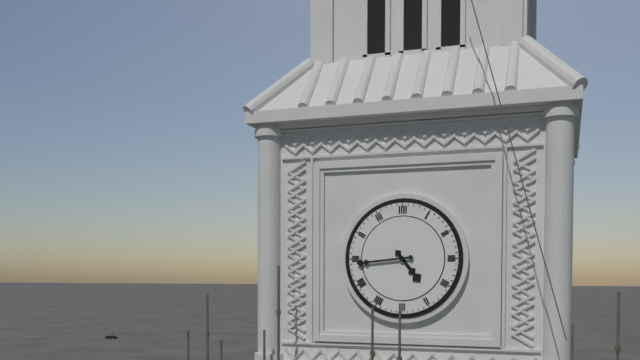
4:44
